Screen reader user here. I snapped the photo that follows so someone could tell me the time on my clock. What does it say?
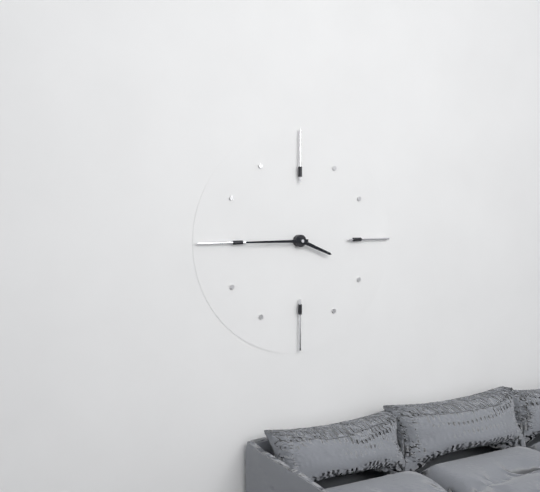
3:45
